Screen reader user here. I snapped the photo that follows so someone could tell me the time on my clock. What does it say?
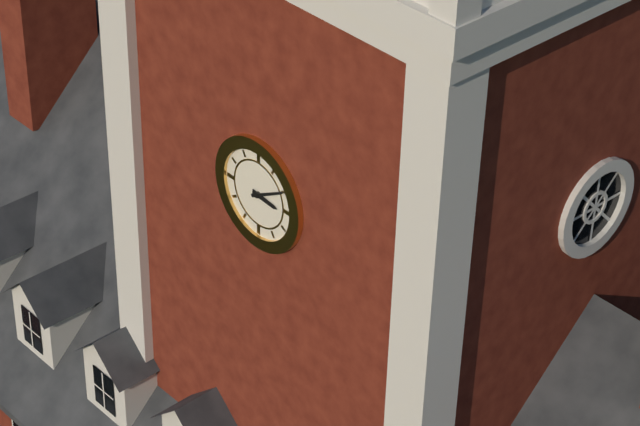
3:10
